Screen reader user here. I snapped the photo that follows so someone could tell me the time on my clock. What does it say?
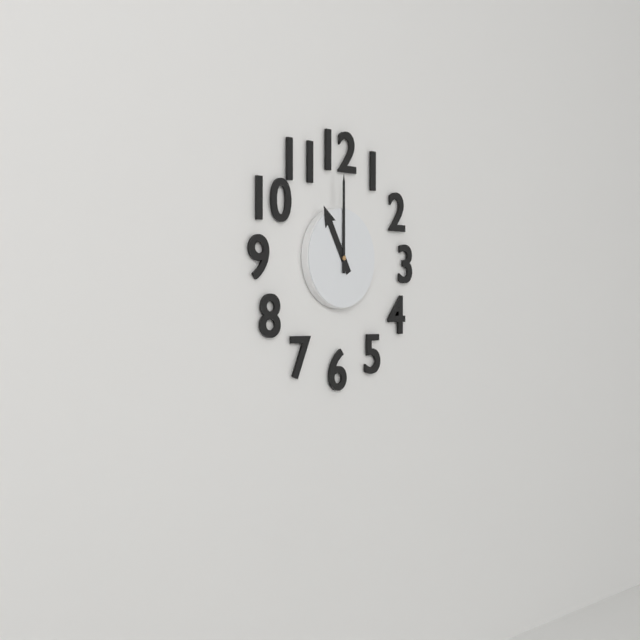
11:00
